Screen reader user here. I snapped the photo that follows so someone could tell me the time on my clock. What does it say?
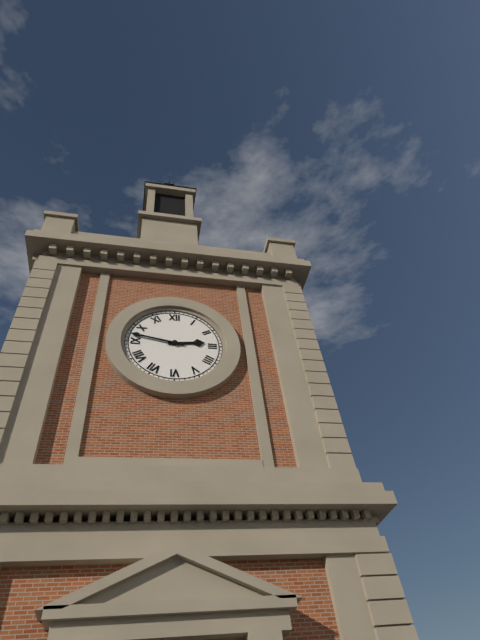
2:47
